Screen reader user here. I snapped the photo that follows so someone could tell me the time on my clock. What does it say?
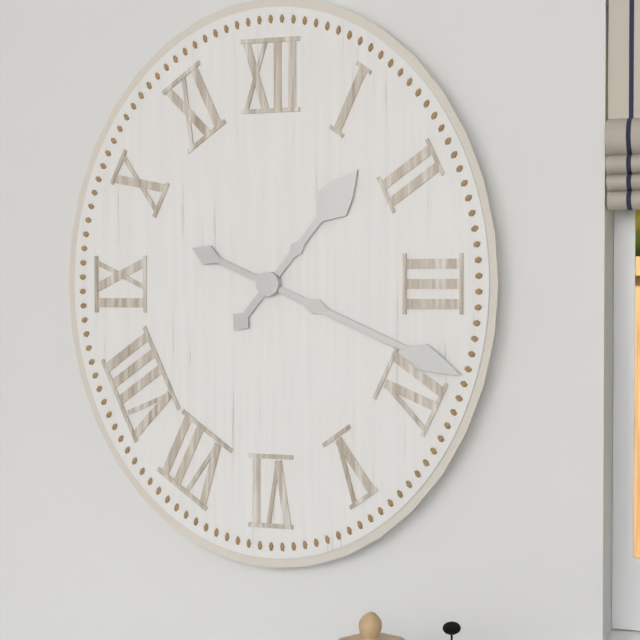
1:19
